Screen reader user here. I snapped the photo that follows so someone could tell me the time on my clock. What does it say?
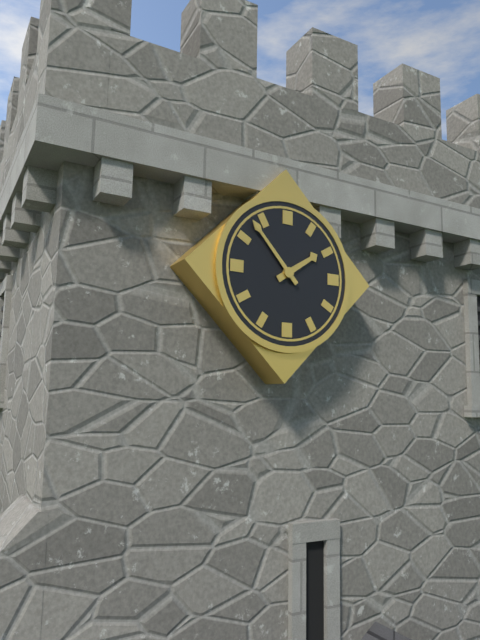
1:53
